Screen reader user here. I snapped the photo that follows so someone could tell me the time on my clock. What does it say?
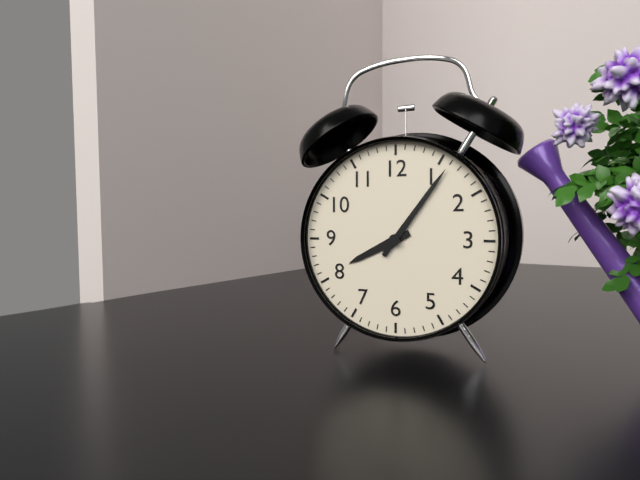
8:06
